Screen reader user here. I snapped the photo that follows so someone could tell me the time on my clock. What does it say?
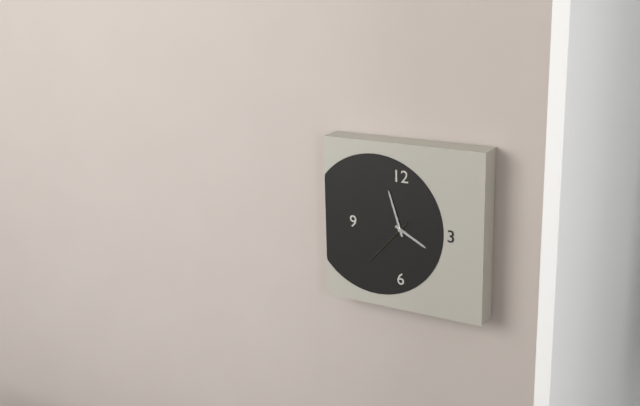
3:57:37
